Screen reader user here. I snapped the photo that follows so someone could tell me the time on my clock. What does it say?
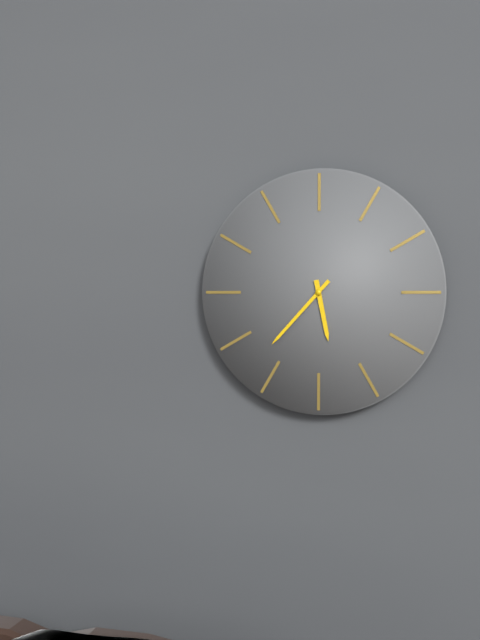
5:37
